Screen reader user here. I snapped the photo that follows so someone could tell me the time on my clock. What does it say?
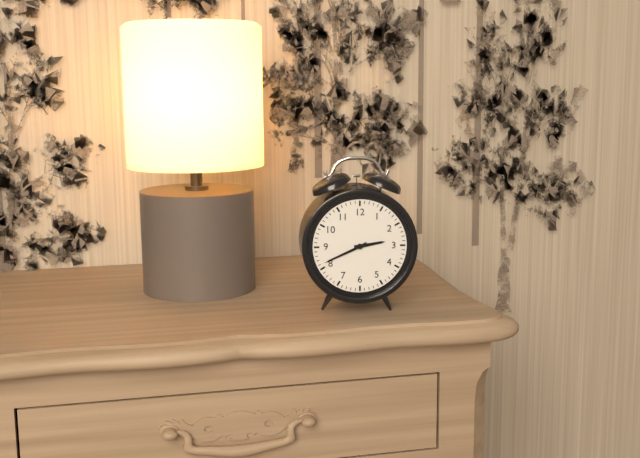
2:41
